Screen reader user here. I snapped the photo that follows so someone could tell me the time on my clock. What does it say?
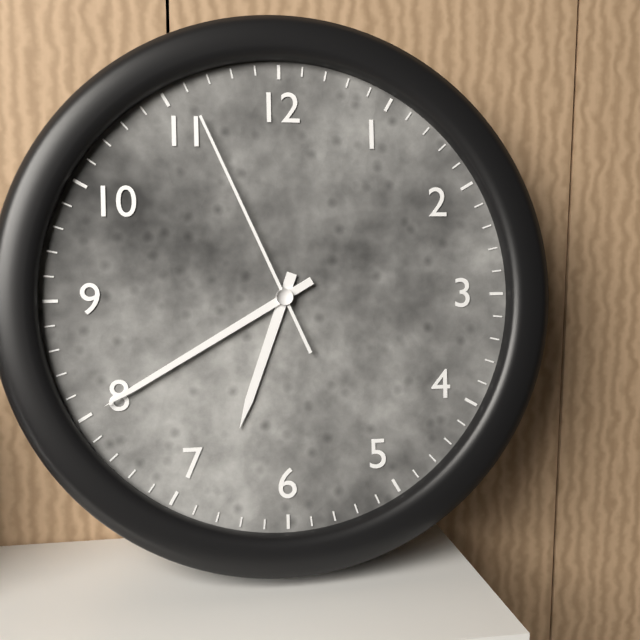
6:40:56
